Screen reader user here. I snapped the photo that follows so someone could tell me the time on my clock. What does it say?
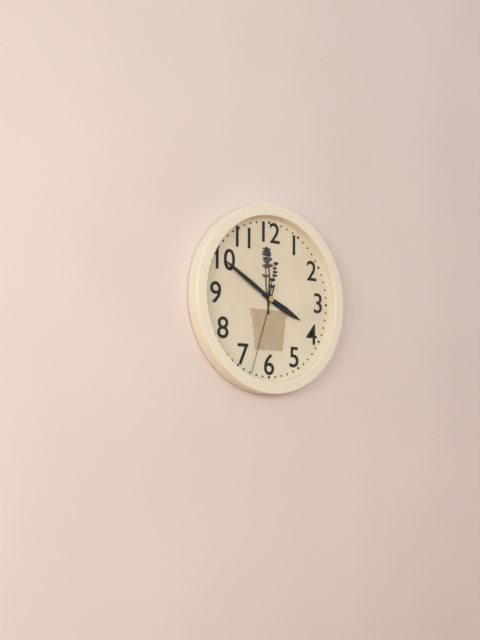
3:50:33
